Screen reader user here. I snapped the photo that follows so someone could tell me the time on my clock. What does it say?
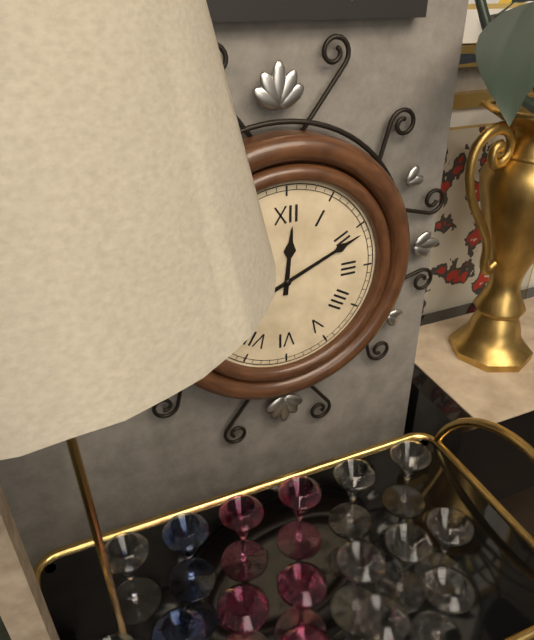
12:11
